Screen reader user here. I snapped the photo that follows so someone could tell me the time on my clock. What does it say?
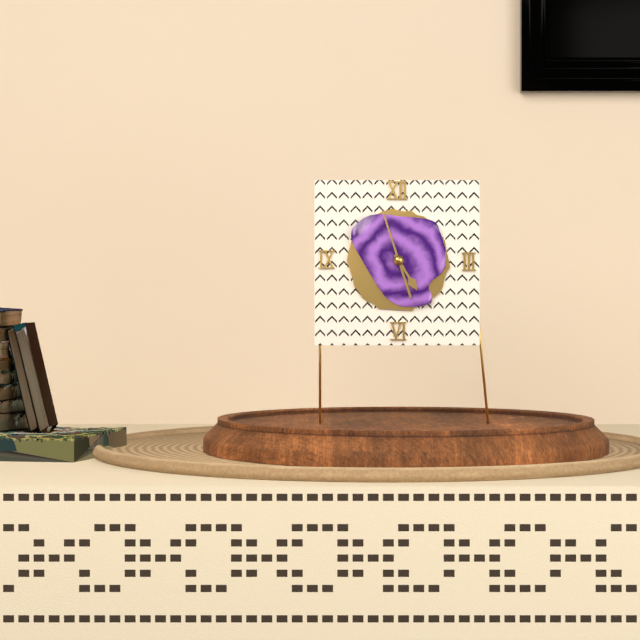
4:57
